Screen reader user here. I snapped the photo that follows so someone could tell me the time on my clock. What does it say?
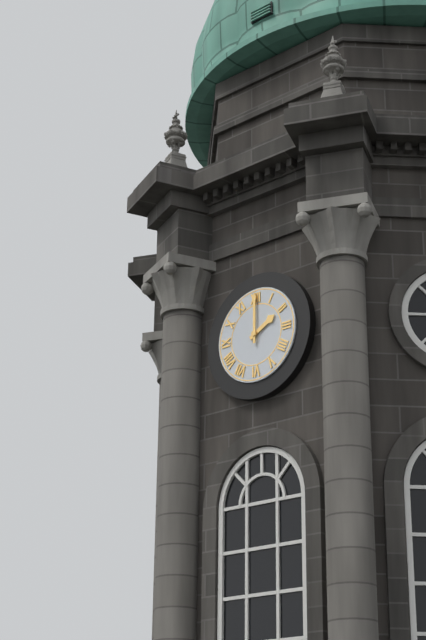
2:00
